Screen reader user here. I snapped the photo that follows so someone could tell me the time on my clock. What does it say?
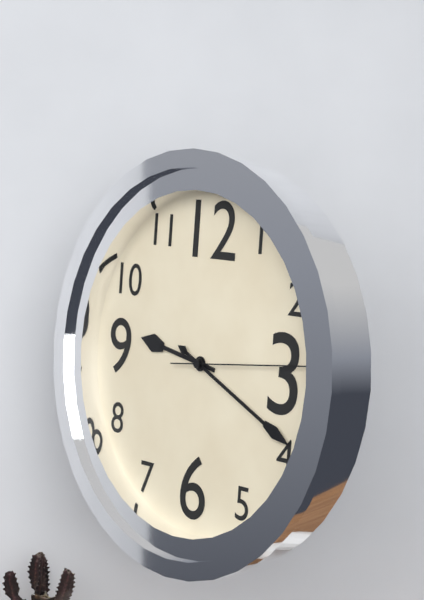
9:19:14
